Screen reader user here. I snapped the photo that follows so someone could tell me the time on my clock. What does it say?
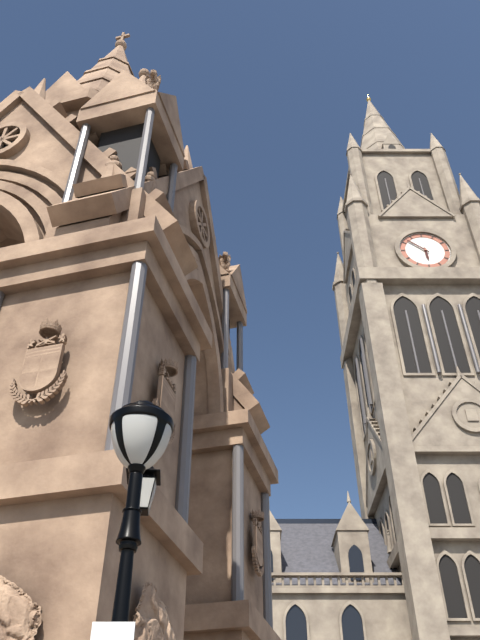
5:52
